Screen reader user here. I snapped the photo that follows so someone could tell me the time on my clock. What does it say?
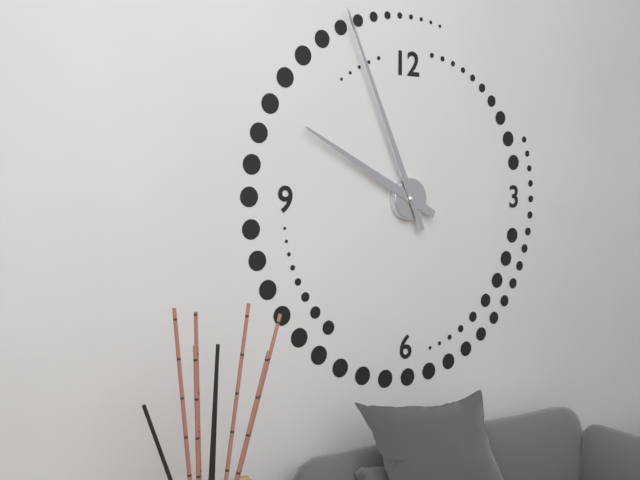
9:56
